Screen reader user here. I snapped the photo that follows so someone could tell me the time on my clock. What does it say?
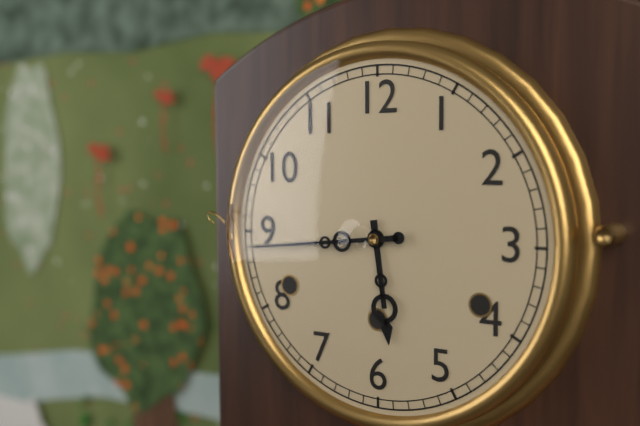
5:44
